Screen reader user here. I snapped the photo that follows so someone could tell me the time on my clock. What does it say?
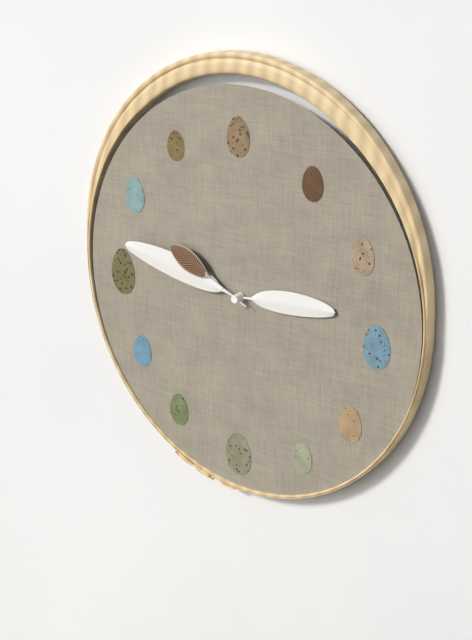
2:47:49
